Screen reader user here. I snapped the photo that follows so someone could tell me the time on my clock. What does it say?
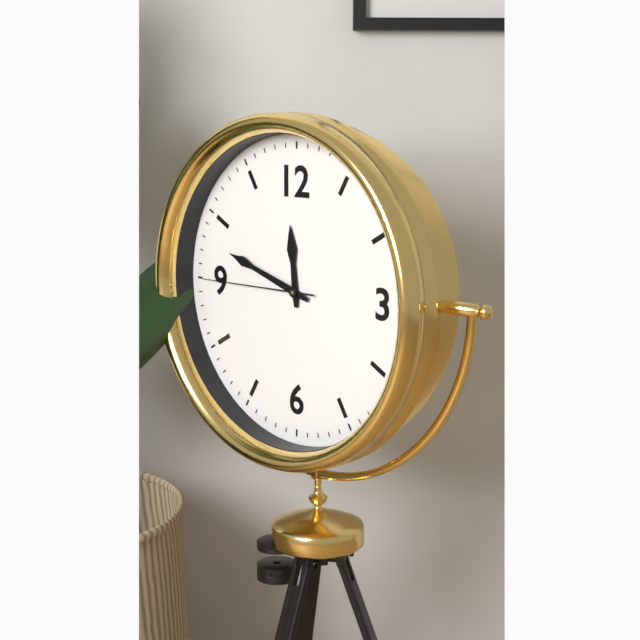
11:48:45
